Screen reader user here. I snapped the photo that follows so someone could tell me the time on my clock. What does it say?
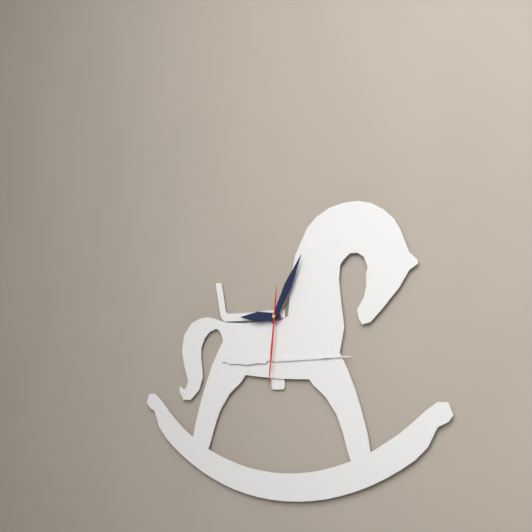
9:05:31
